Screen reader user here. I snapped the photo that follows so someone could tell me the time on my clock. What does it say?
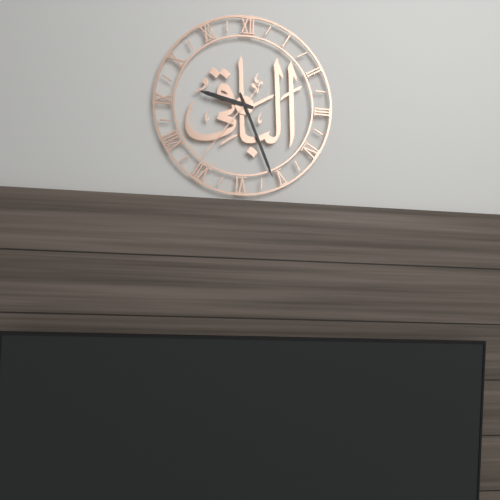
9:26:36
